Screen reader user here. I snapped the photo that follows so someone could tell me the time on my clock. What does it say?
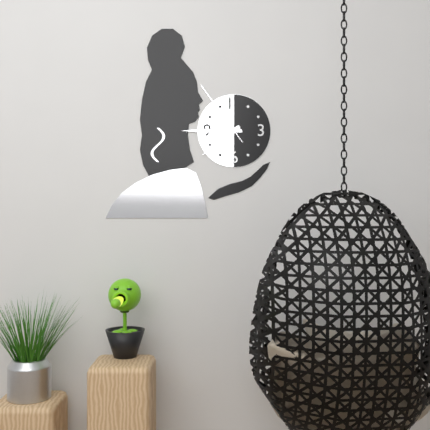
7:45:54
